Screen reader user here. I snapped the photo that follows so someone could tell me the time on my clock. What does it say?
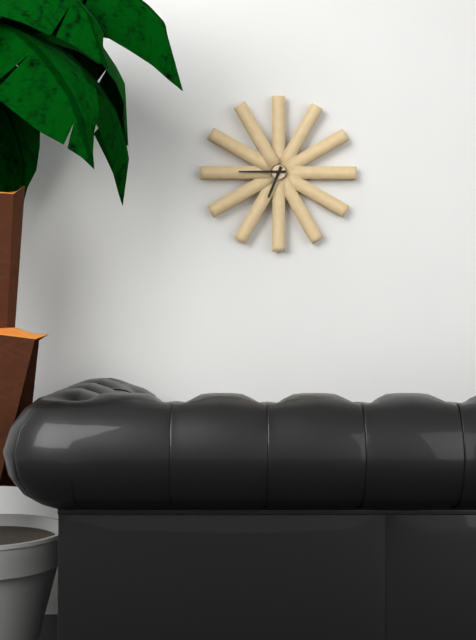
6:45
